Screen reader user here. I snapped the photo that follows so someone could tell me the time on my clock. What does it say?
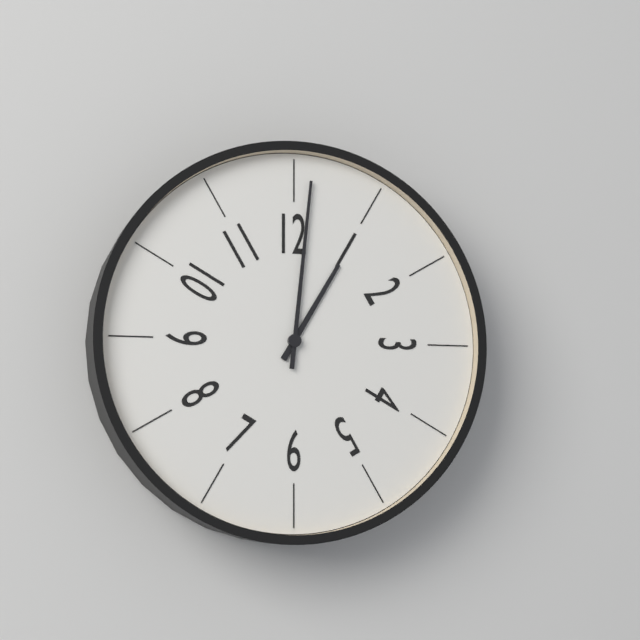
1:01
